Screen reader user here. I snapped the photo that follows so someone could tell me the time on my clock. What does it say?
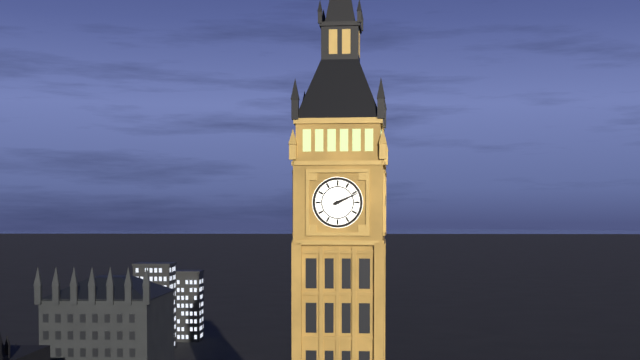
2:11
